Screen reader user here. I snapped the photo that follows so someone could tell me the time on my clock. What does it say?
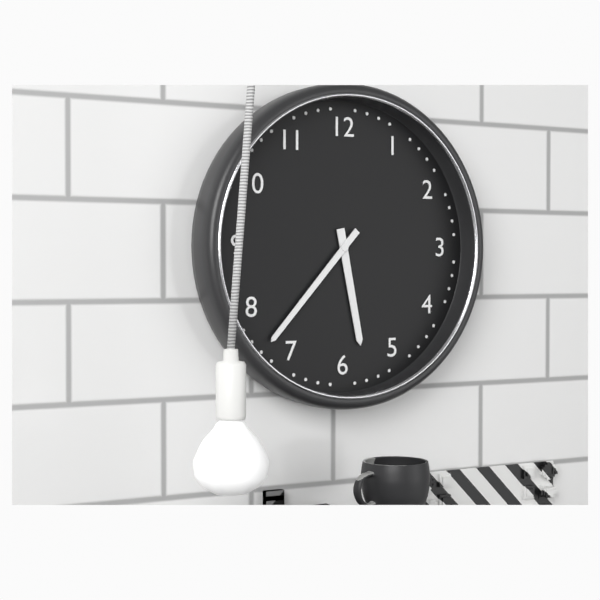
5:37
